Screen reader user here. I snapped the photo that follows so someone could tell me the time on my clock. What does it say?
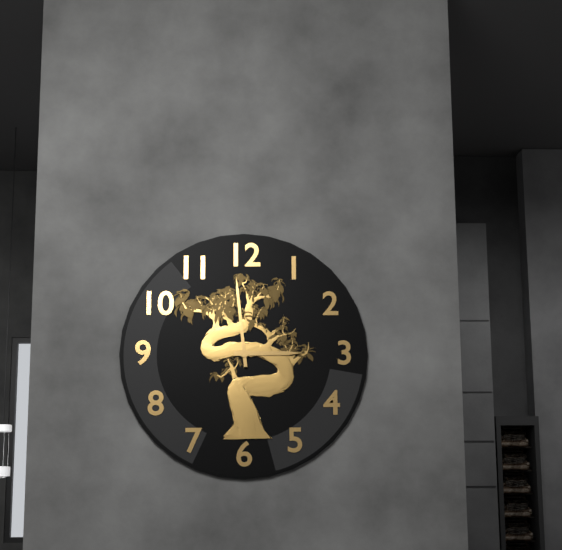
2:59
